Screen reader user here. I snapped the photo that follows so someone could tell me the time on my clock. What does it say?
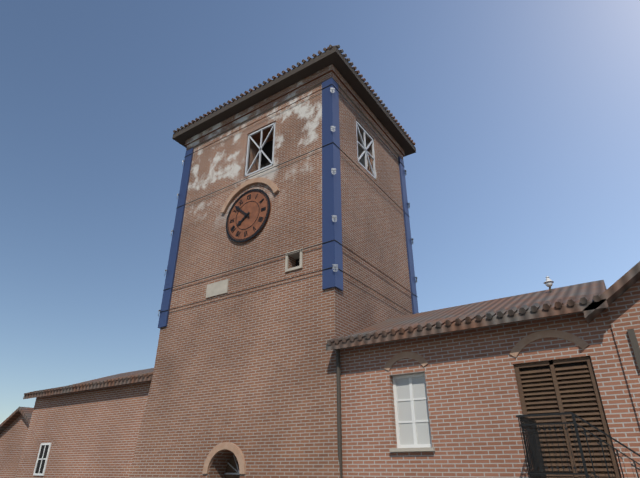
7:52
